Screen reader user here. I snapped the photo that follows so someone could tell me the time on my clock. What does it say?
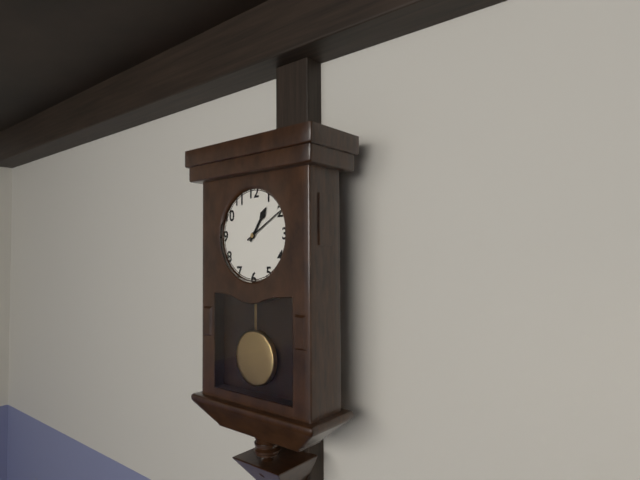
1:10
